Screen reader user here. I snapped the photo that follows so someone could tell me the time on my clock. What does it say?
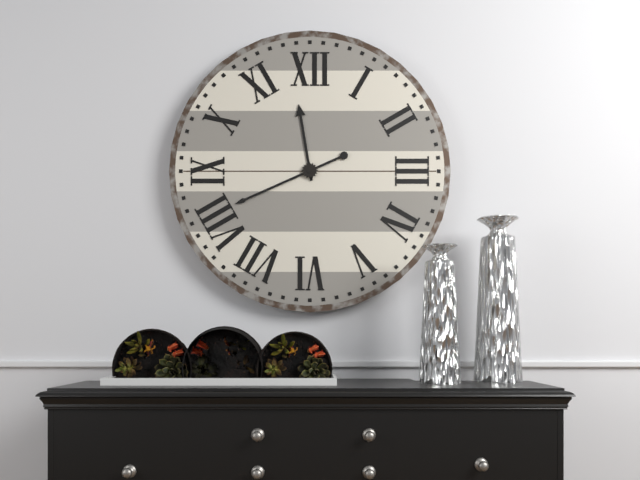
11:41
